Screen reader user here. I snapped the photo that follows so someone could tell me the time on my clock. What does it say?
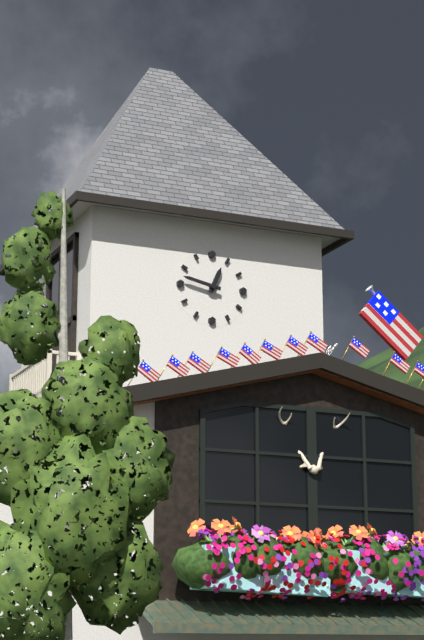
12:47
